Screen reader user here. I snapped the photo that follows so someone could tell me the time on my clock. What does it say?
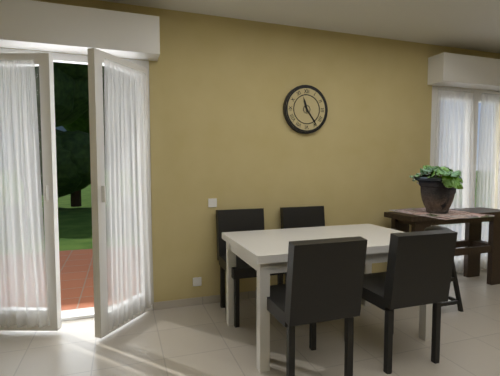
11:24
